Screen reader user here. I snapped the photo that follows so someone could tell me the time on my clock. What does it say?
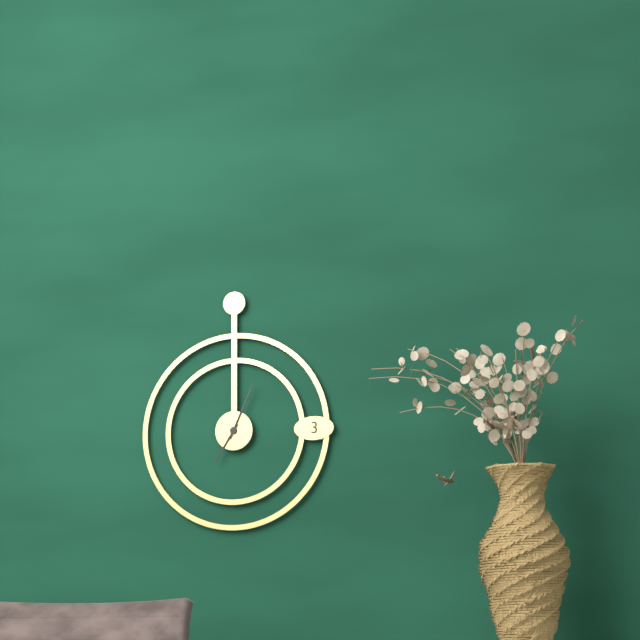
7:04
